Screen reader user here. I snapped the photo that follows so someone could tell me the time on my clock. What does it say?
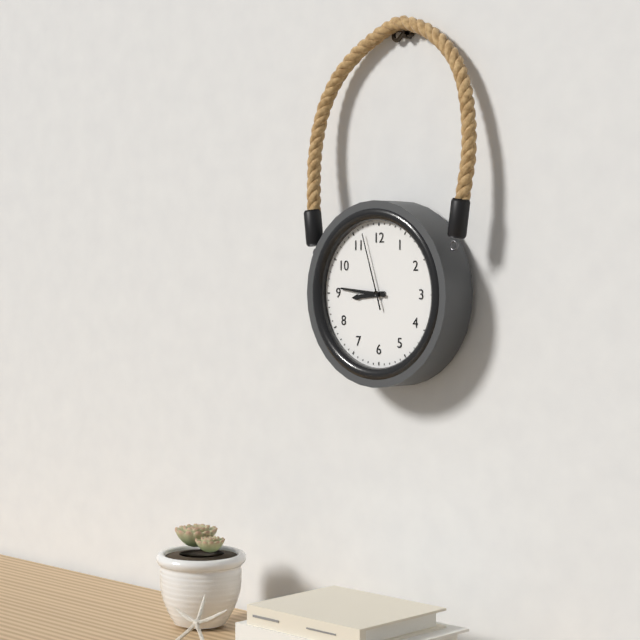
8:46:57
